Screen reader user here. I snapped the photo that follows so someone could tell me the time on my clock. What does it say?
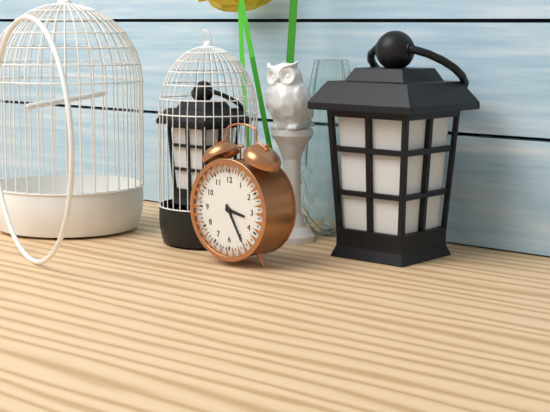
3:25
